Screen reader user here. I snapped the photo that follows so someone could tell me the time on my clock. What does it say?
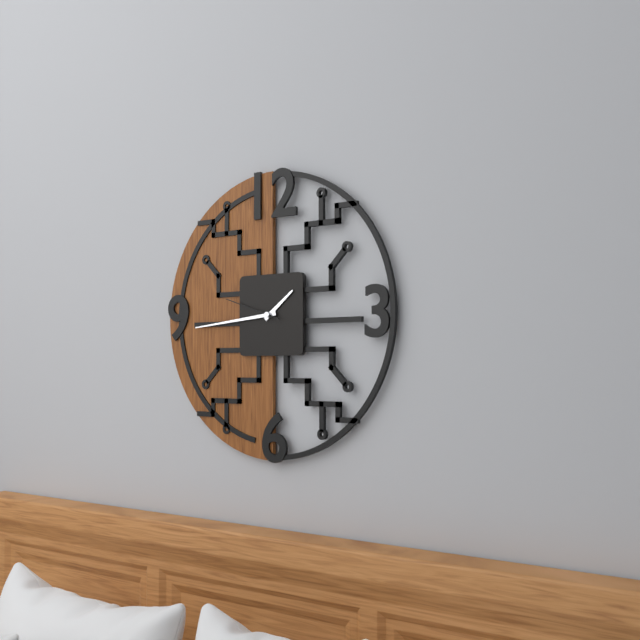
1:44:48
